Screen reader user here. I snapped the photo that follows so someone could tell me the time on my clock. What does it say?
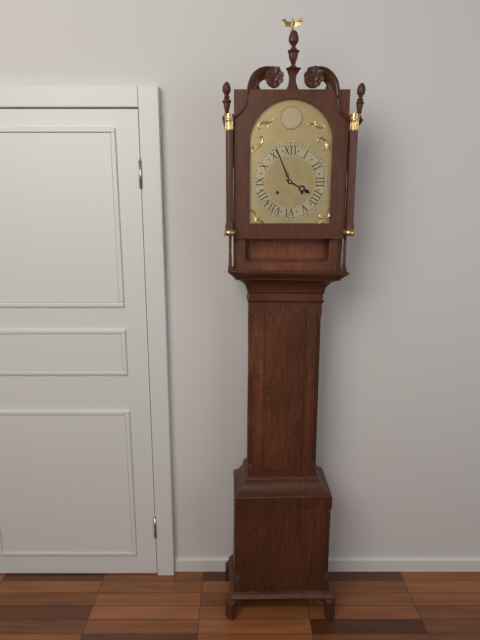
3:56
